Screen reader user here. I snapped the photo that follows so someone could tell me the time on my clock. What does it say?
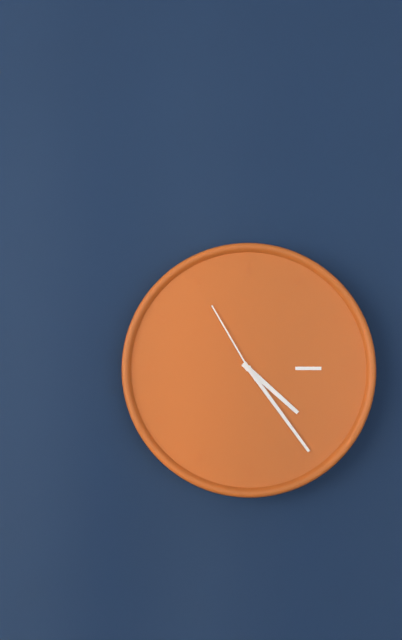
4:24:55
